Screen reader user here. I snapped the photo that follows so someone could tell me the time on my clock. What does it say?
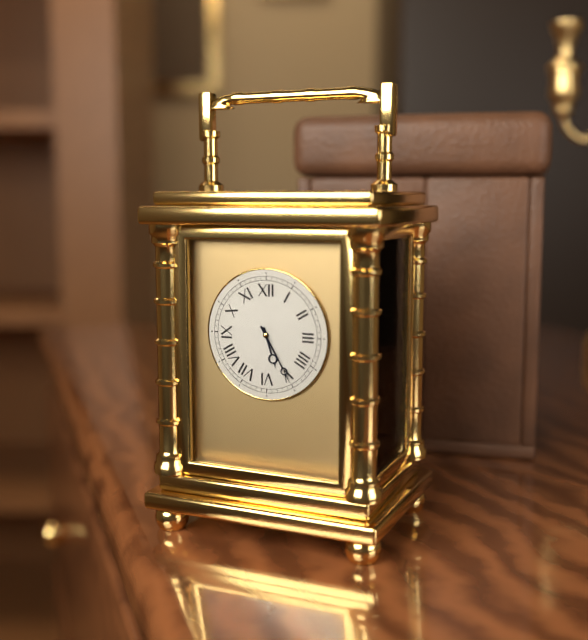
5:25
